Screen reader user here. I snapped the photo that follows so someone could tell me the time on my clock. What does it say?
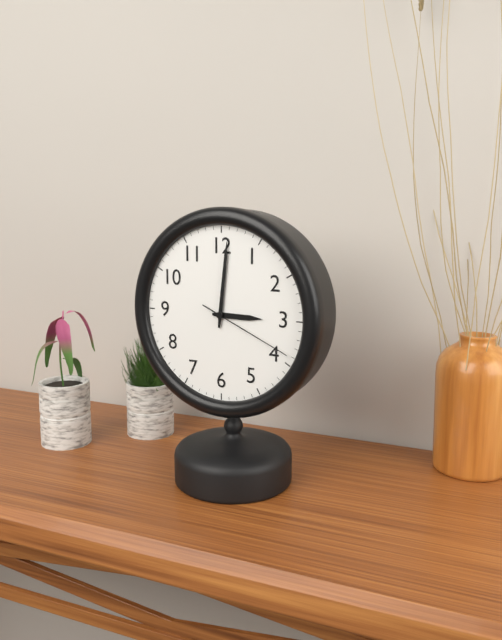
3:01:19
